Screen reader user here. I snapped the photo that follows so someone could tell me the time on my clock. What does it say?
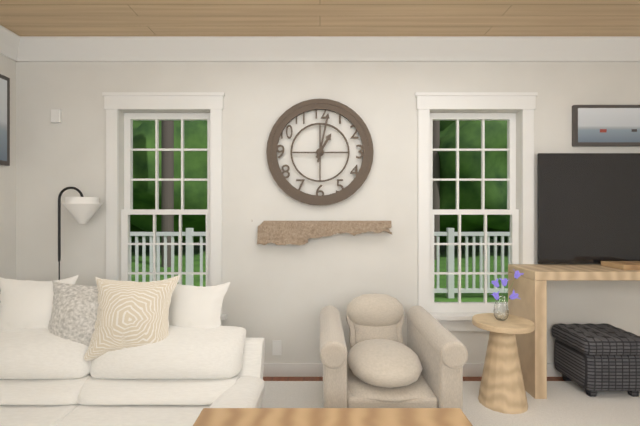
1:02
